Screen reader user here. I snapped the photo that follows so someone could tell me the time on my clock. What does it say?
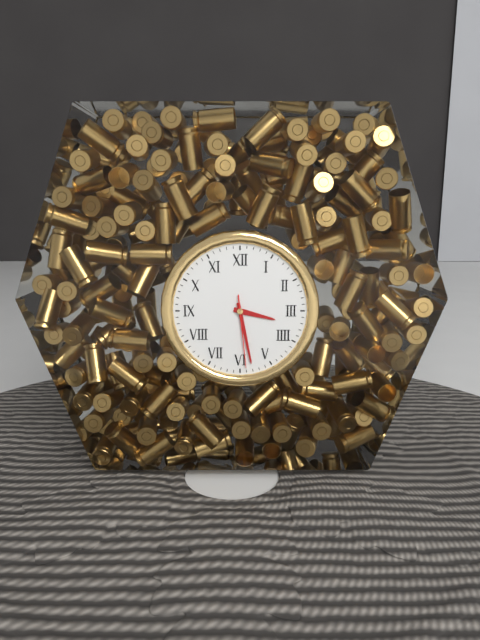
3:28:29
